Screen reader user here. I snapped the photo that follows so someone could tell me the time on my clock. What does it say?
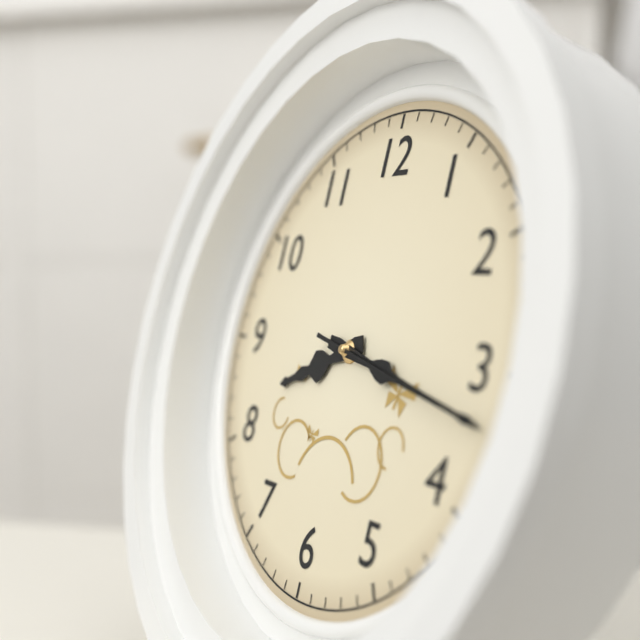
8:17:17
